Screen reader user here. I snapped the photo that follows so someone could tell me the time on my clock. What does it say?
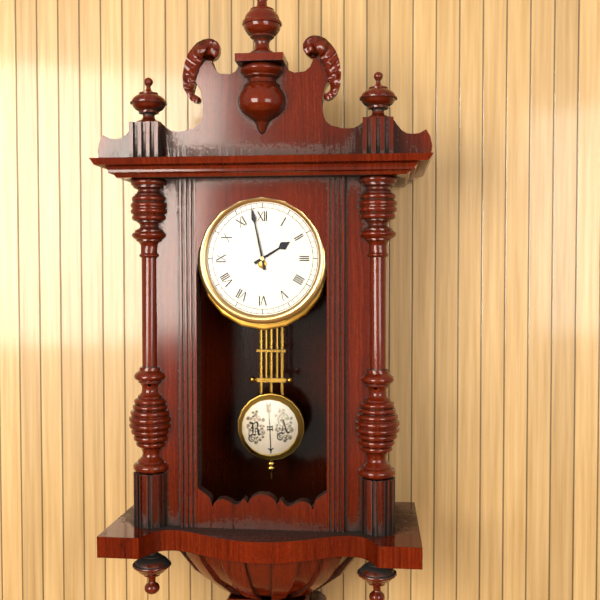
1:58
